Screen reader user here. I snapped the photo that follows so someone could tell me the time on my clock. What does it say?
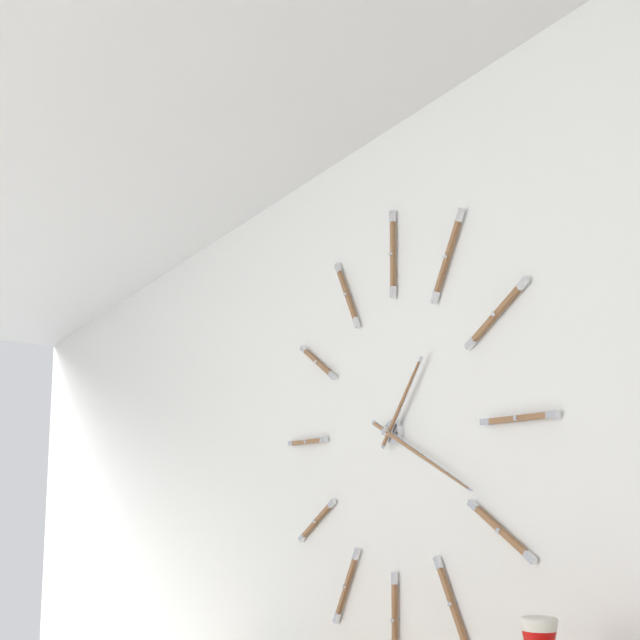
1:19
